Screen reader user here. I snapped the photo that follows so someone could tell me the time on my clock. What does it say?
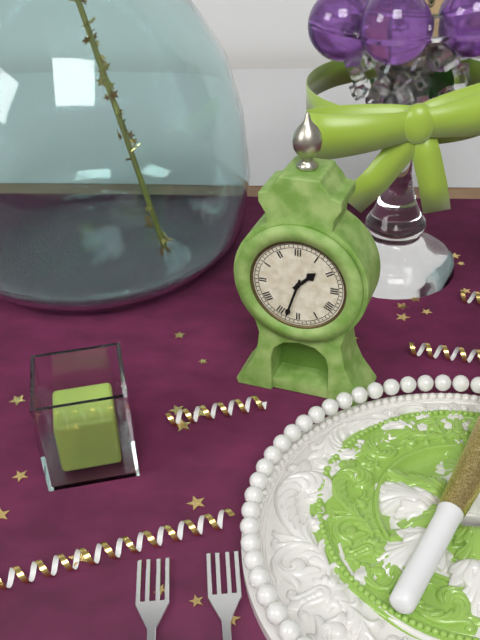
1:33
